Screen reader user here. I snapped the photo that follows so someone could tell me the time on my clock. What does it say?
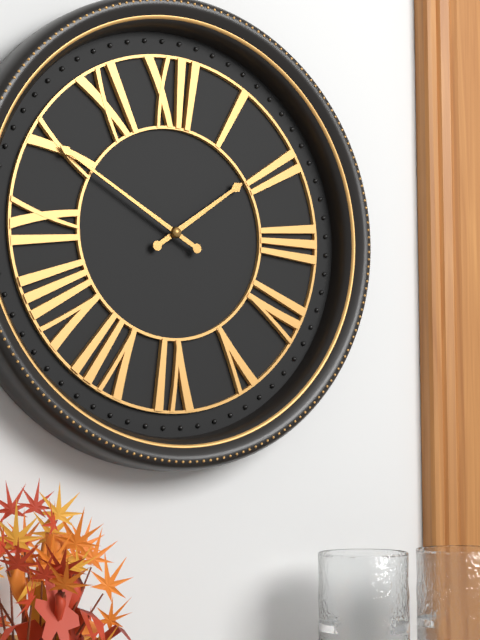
1:50
